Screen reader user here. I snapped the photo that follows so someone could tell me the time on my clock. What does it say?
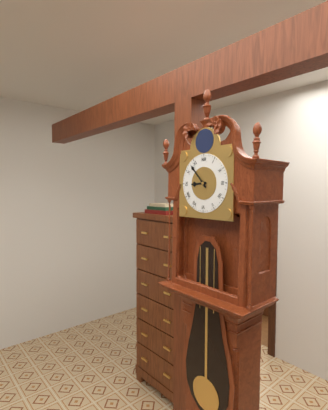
8:53
